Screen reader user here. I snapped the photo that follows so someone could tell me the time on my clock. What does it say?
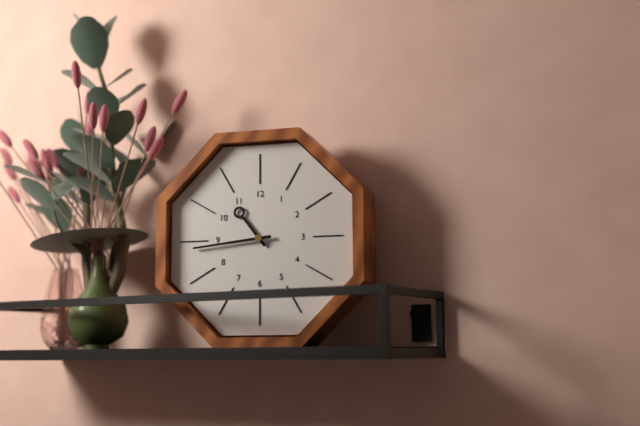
10:44
